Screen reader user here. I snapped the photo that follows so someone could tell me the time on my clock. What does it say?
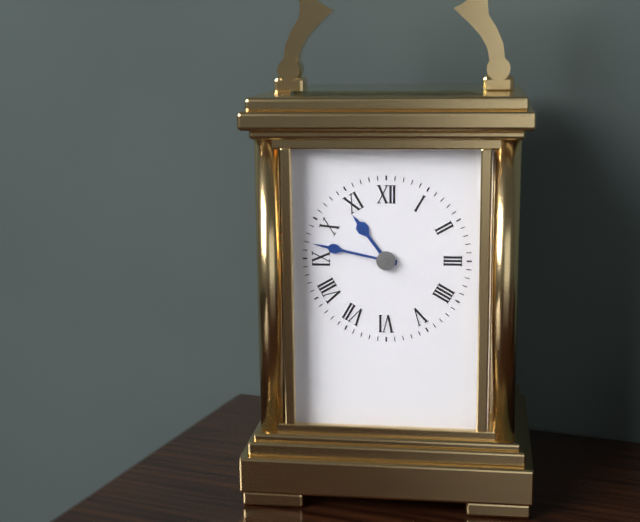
10:47
